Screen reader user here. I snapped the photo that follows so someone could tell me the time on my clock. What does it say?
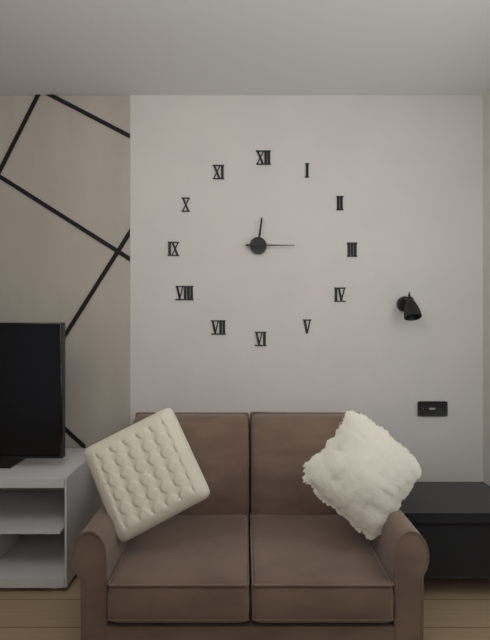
12:15
